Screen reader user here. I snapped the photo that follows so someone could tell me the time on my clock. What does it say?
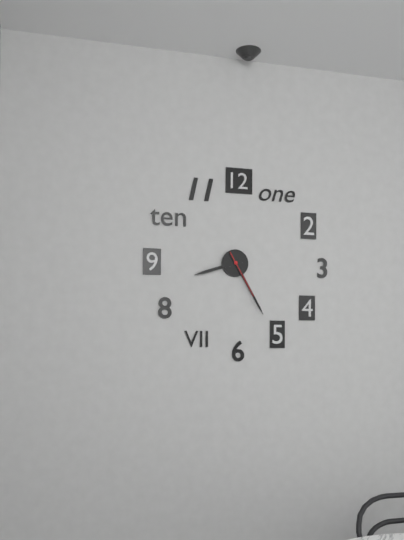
8:25
